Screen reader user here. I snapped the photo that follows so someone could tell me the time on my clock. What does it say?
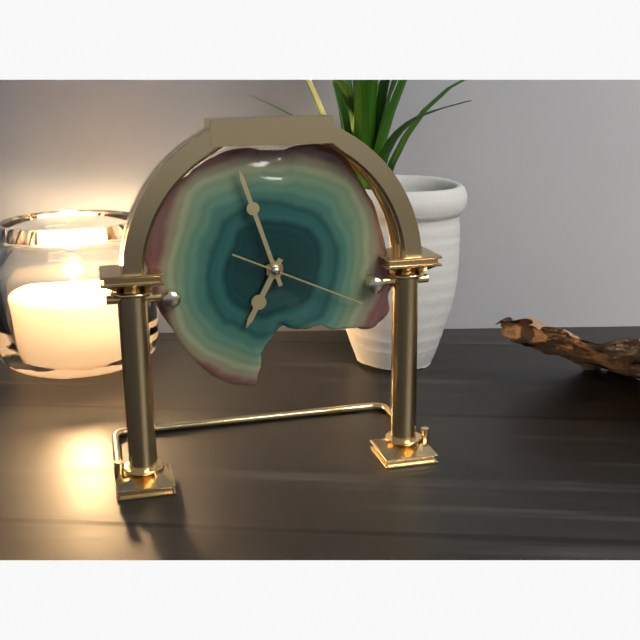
6:57:19
